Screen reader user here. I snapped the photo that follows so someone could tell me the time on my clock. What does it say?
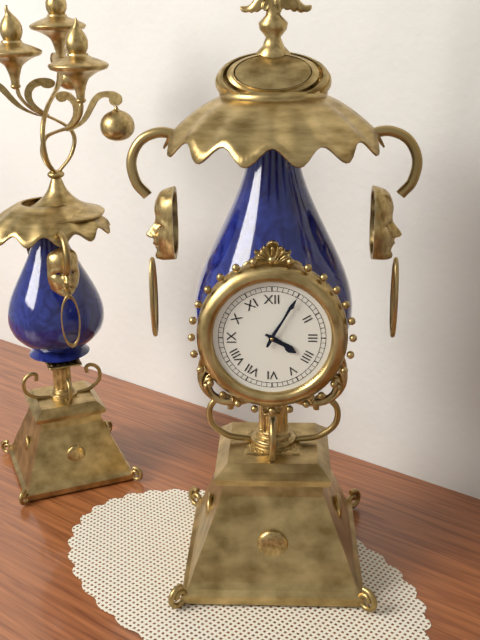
4:05
